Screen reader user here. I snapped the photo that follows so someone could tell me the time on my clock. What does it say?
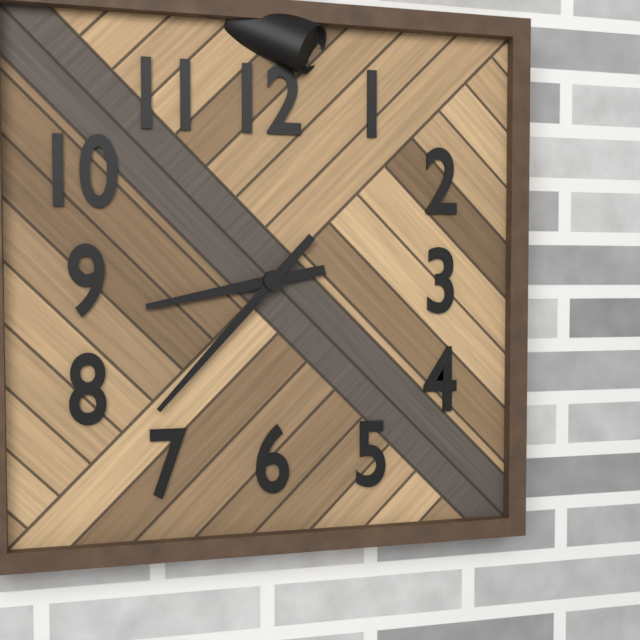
8:37
